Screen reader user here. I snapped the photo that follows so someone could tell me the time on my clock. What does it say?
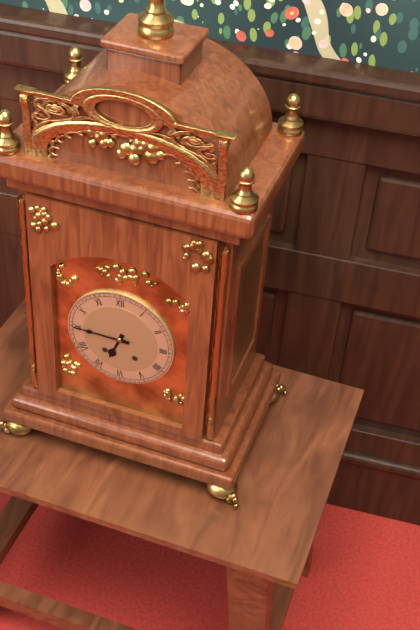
6:45
